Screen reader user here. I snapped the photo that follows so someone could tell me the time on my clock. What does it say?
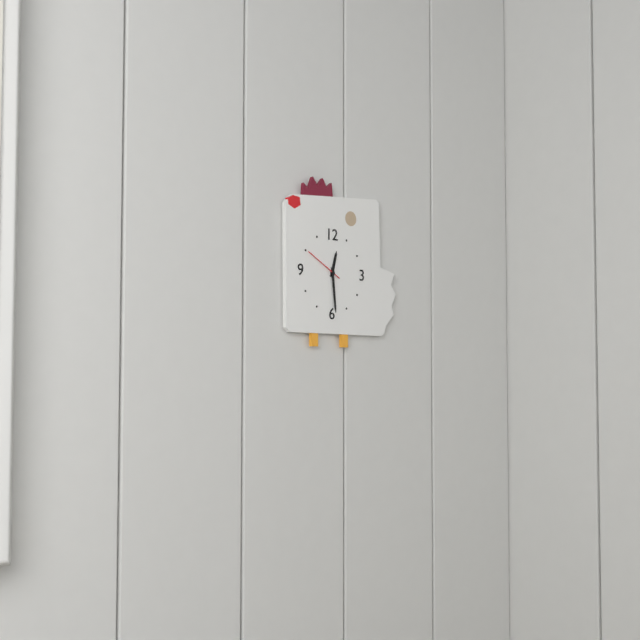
12:29
